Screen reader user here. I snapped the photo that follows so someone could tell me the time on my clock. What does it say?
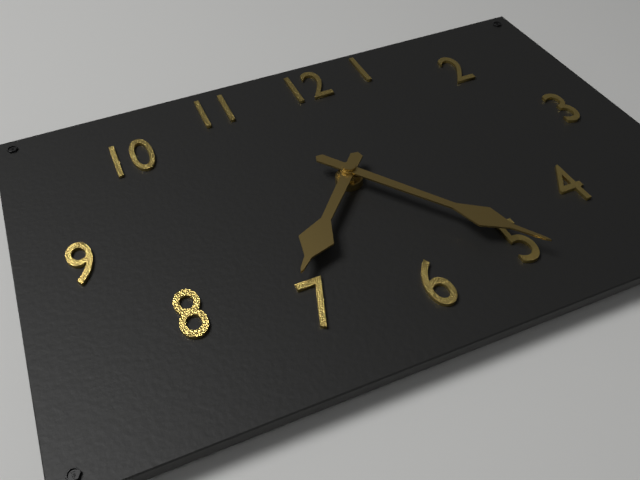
7:24
